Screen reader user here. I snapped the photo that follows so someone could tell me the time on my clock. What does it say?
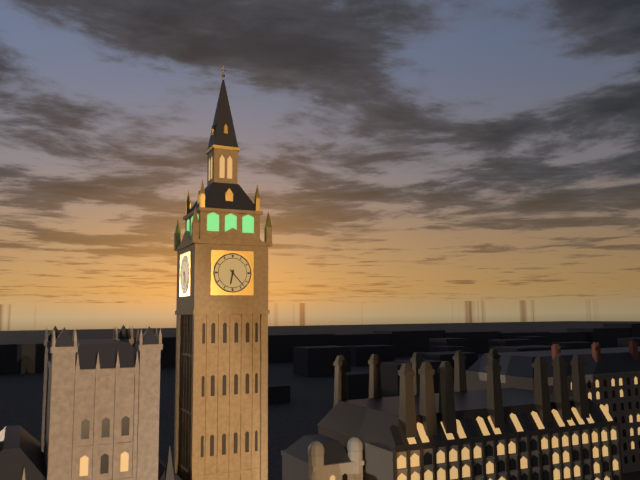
6:23
